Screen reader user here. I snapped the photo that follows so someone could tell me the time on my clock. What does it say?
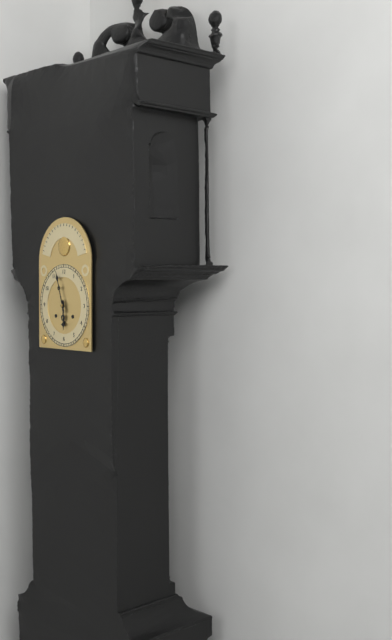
5:57
